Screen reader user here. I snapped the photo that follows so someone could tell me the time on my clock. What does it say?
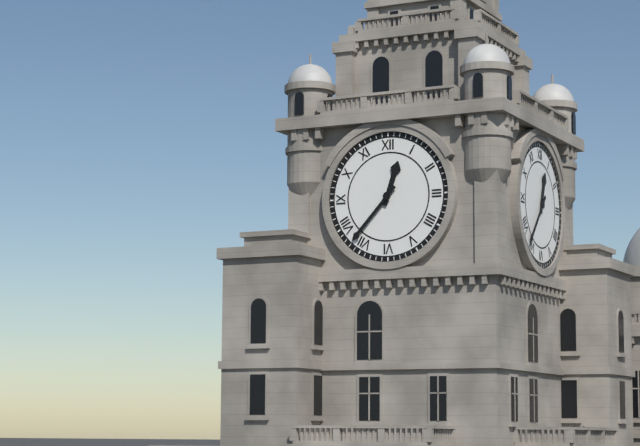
12:37
